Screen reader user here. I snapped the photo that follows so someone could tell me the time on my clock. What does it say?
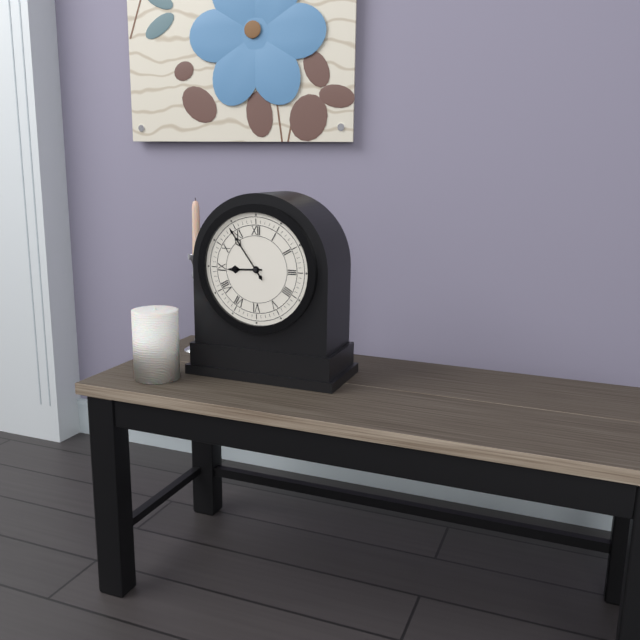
8:54
